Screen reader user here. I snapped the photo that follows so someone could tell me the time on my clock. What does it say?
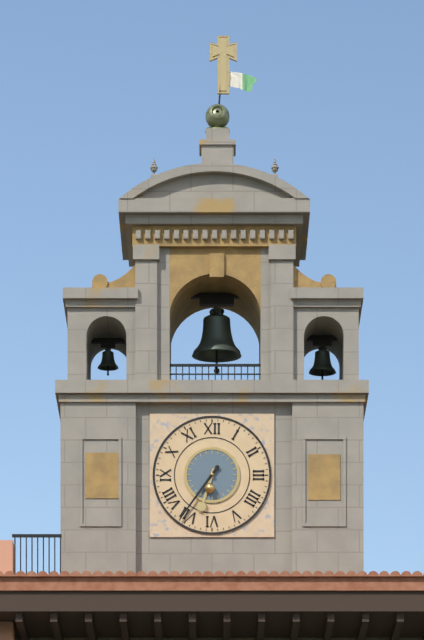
6:36
